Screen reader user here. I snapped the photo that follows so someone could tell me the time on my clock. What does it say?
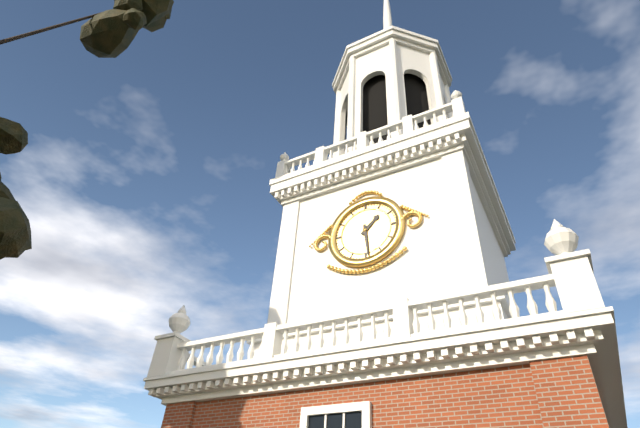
1:29
